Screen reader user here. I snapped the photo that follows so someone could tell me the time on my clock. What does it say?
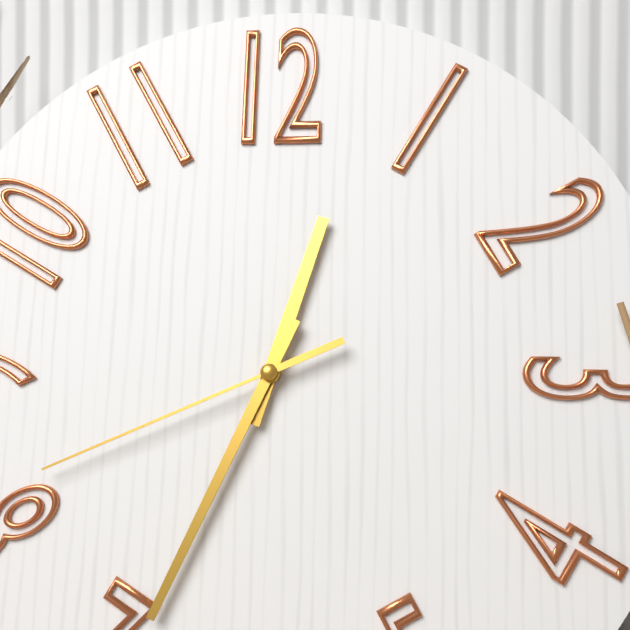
12:34:41
